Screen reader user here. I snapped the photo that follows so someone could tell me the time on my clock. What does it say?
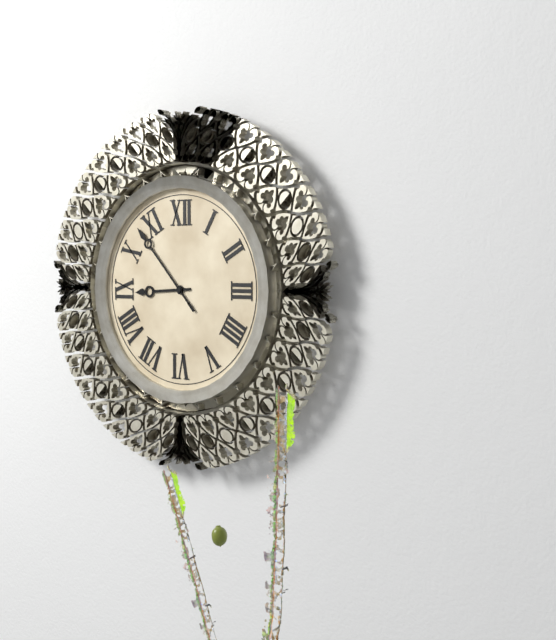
8:53
